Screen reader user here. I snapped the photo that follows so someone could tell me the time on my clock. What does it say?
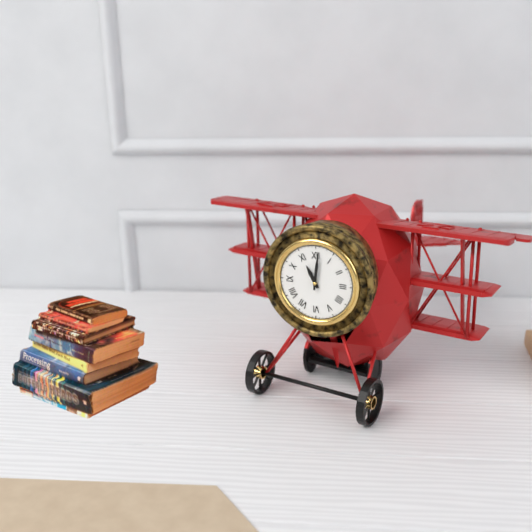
11:01
